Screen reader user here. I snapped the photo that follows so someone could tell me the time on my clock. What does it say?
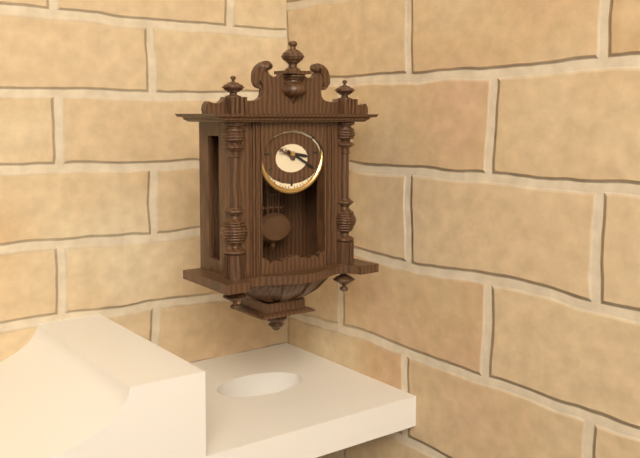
3:20
